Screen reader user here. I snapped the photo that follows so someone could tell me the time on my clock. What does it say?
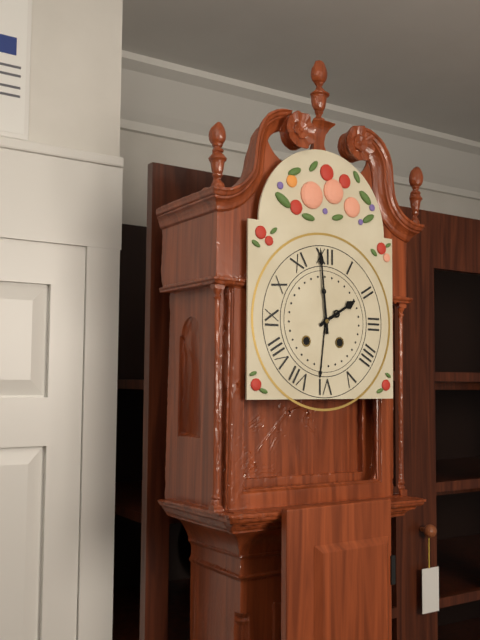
1:59
